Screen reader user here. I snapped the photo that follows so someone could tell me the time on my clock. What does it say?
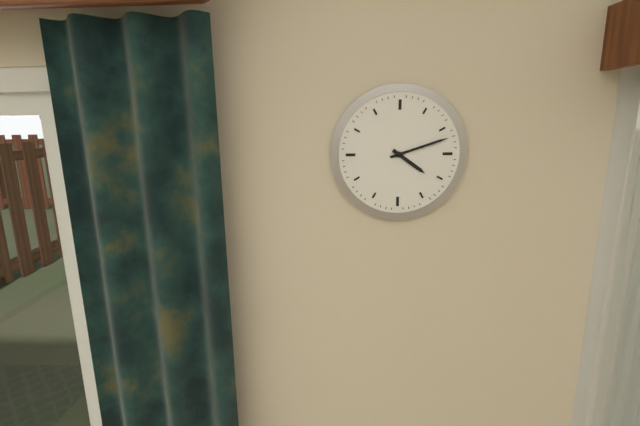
4:12
